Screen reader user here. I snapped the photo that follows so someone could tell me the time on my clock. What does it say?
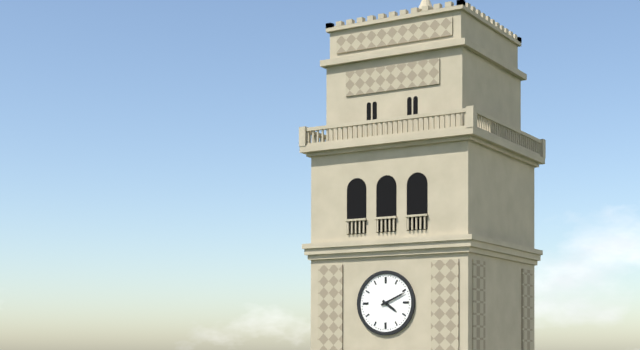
4:11
